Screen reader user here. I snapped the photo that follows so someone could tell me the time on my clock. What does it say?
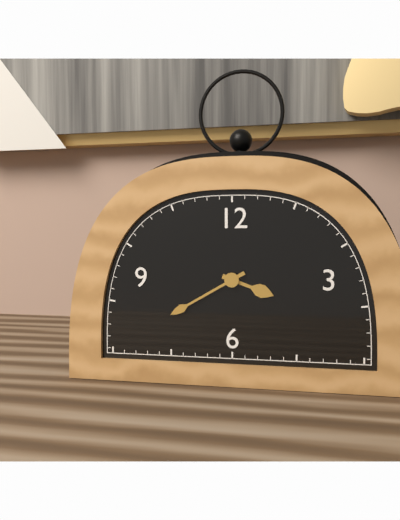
3:40
